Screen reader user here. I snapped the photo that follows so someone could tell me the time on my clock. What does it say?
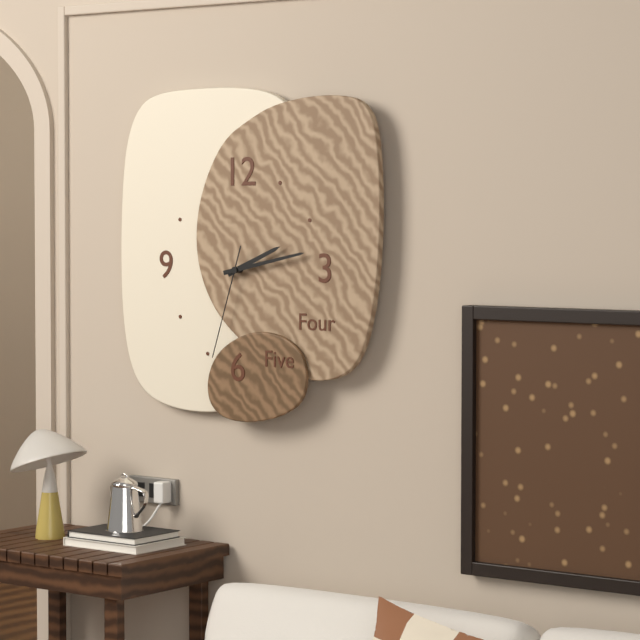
2:13:33
